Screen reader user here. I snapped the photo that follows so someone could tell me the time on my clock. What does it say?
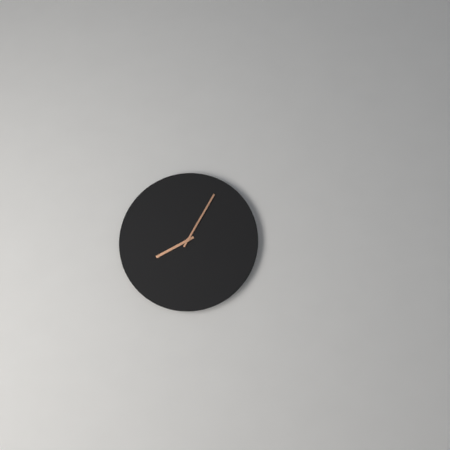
8:05
